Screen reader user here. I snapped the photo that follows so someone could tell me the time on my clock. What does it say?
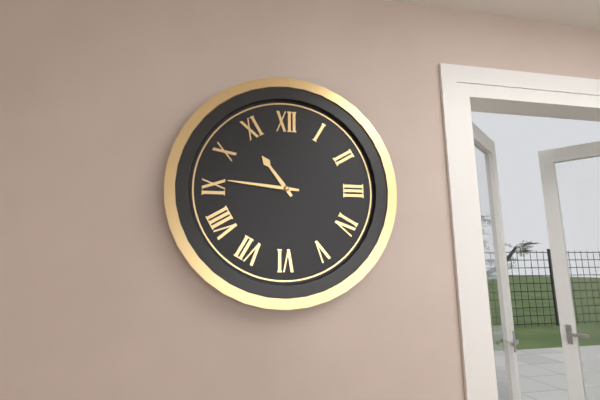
10:46
